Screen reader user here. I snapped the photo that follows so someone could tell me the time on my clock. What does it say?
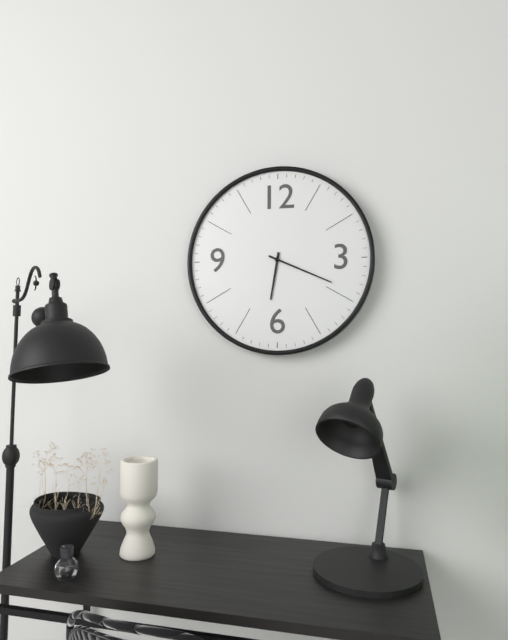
6:19
